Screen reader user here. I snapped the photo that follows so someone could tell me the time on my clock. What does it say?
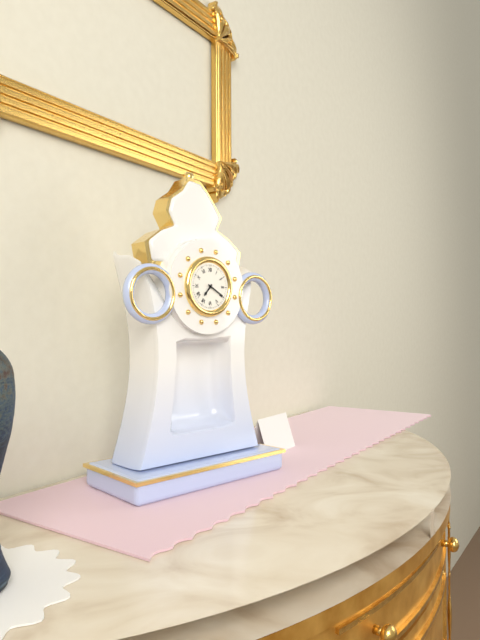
7:20
